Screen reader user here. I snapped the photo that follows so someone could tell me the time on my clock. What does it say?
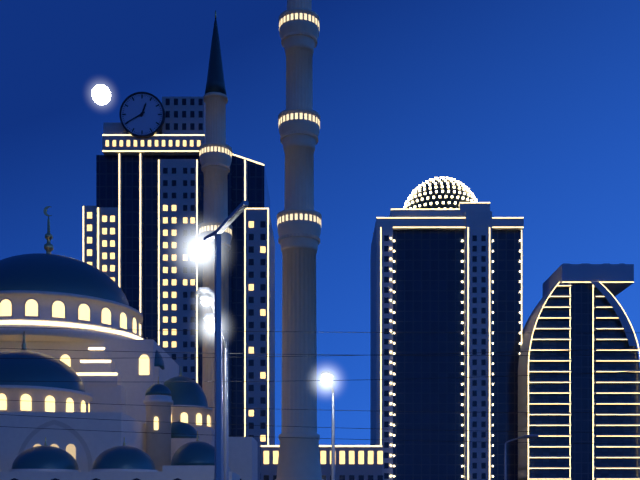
12:40
